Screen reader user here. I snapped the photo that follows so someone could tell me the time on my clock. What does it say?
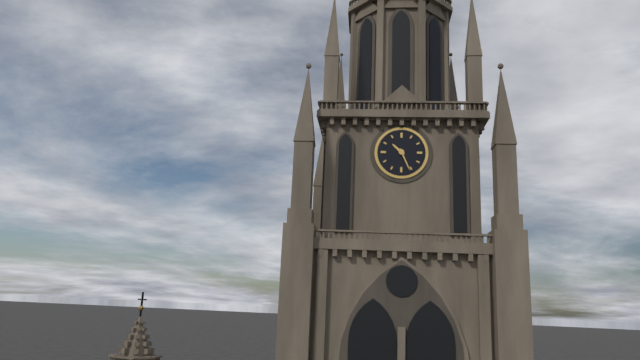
10:26
